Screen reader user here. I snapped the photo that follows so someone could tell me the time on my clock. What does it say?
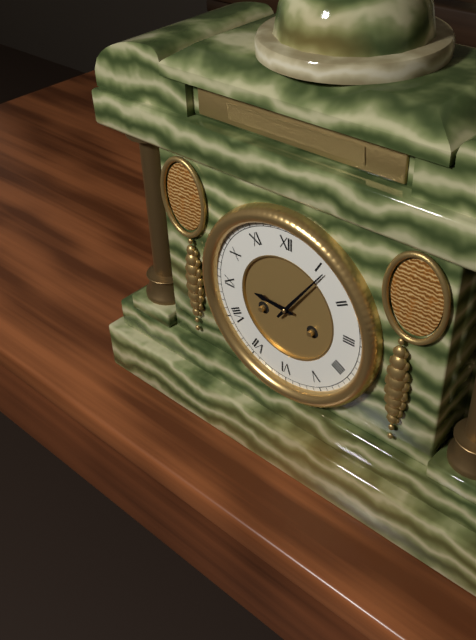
9:06
